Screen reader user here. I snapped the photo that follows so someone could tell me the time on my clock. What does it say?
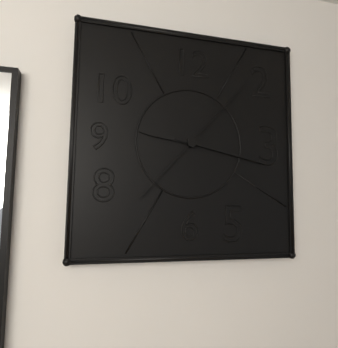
9:17:07
